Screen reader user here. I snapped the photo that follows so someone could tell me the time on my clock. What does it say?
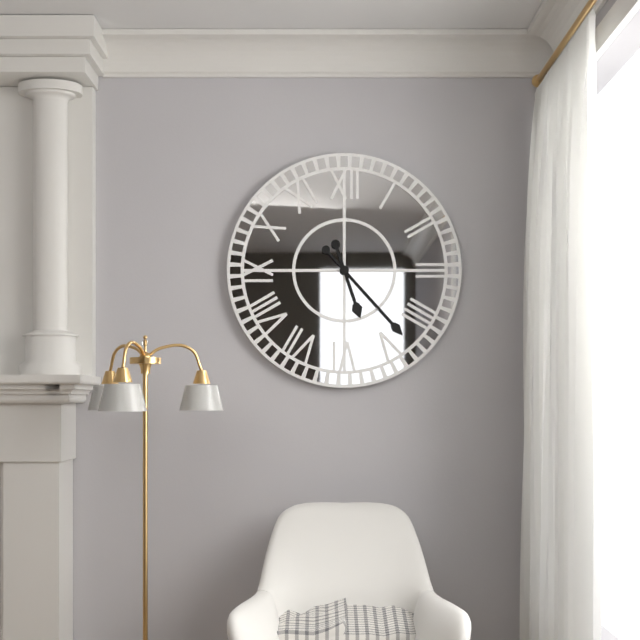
5:23
